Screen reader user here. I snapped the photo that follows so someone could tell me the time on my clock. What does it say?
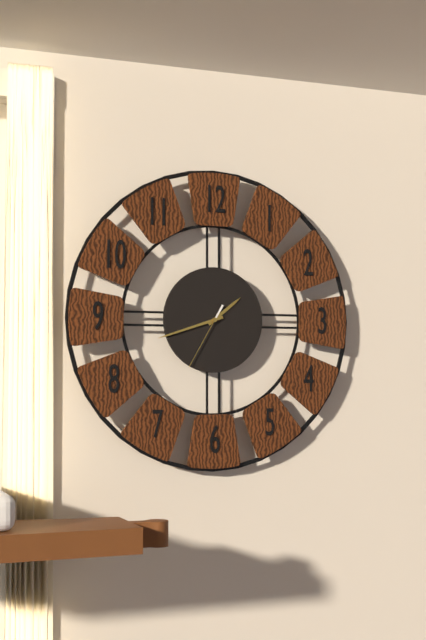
1:42:35
